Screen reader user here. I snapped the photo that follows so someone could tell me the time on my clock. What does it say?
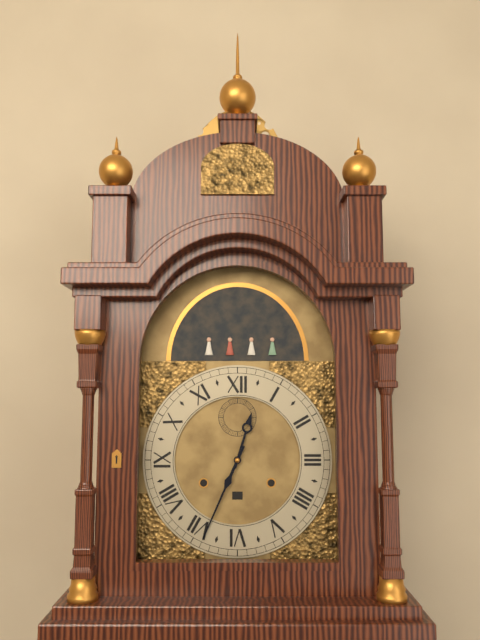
12:34
